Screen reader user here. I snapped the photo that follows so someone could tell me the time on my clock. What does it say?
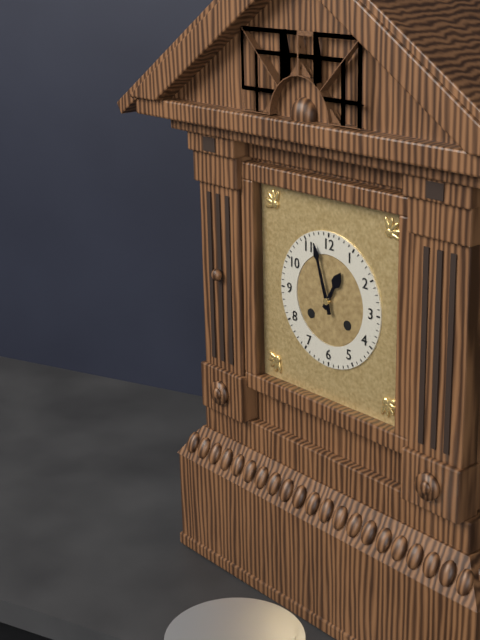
12:57
